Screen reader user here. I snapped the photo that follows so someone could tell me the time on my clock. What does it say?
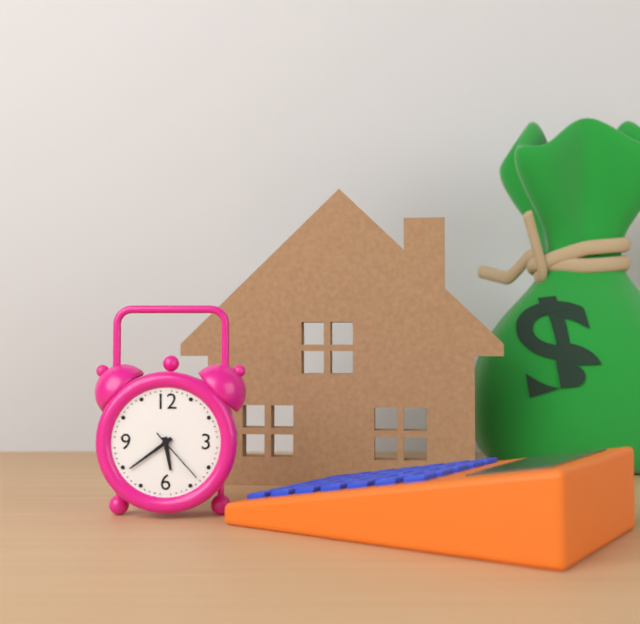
5:39:23
